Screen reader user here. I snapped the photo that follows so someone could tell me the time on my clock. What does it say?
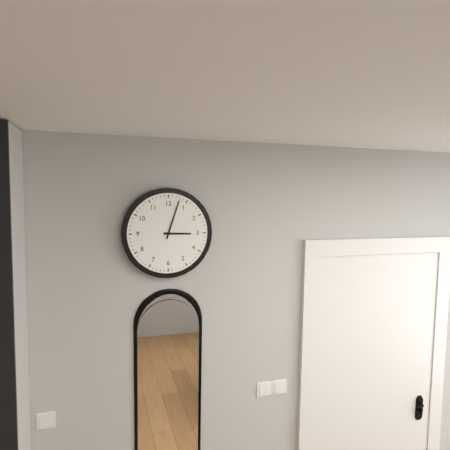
3:03
